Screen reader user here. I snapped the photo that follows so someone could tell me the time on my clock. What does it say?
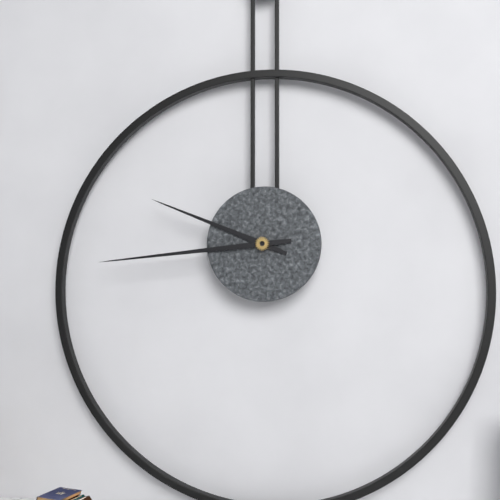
9:44
